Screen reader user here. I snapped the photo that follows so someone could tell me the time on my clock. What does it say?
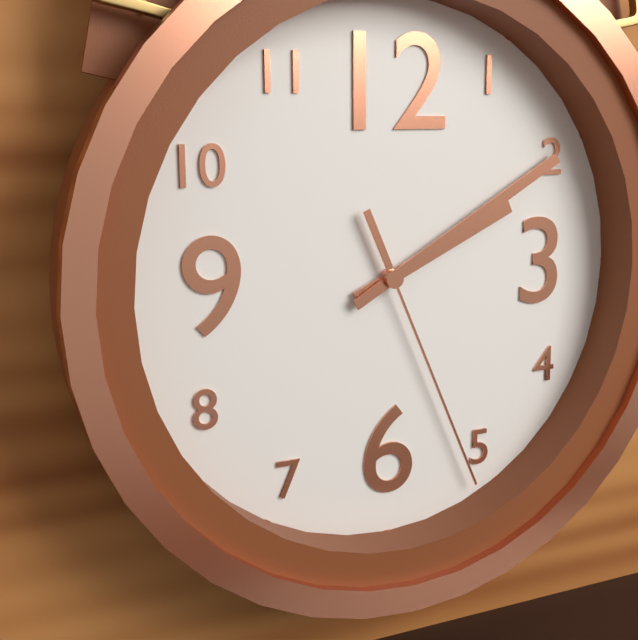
2:10:26
